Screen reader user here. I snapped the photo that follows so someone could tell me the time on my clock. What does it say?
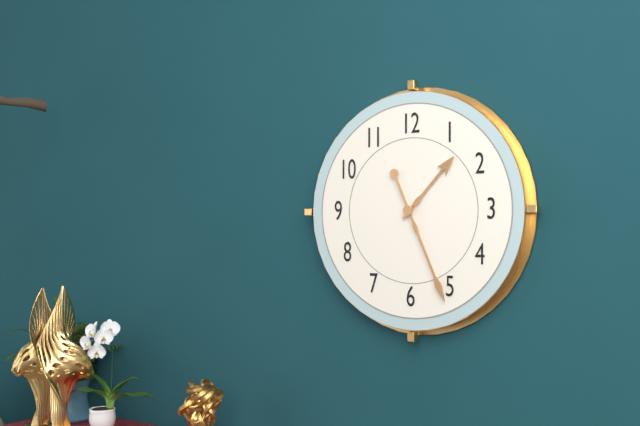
1:26
